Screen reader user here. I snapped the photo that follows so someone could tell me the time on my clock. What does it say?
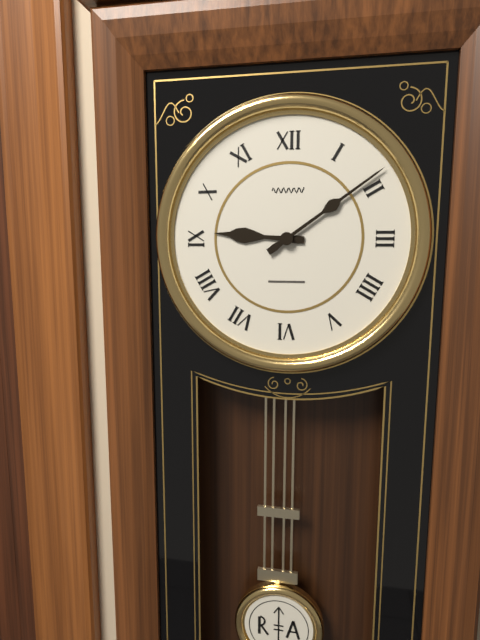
9:09
